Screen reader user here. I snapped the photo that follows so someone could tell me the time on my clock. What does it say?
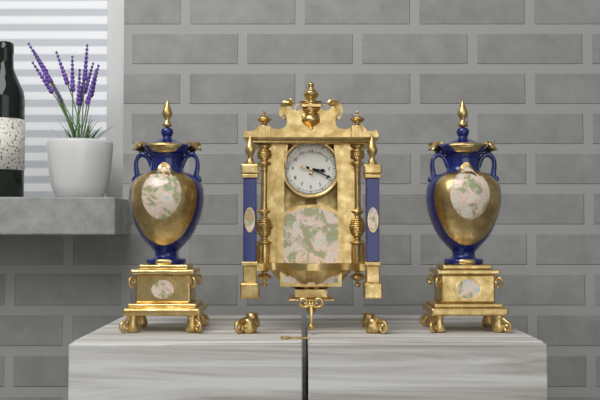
3:19
